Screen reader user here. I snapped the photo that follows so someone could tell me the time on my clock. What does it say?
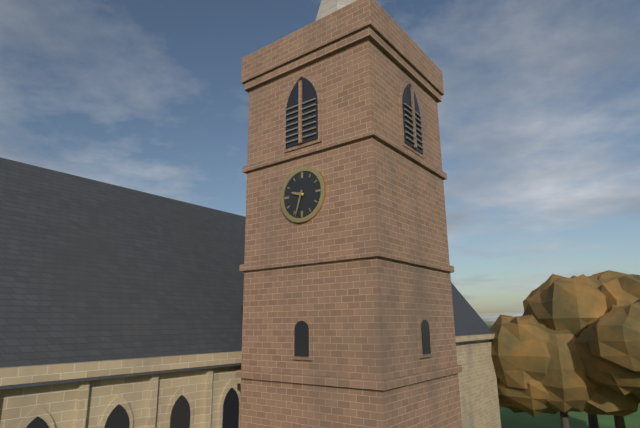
9:33
